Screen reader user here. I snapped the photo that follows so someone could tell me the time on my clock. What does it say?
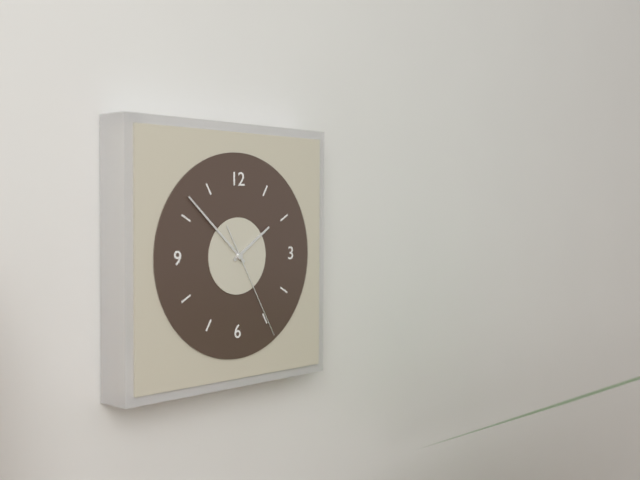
1:52:25
